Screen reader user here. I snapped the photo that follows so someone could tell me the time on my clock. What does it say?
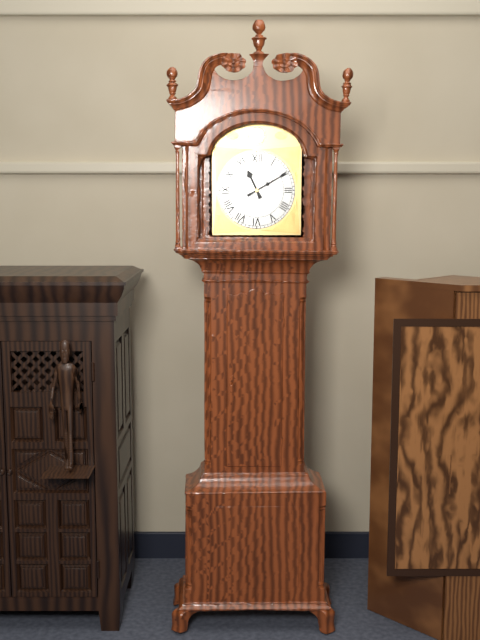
11:10
